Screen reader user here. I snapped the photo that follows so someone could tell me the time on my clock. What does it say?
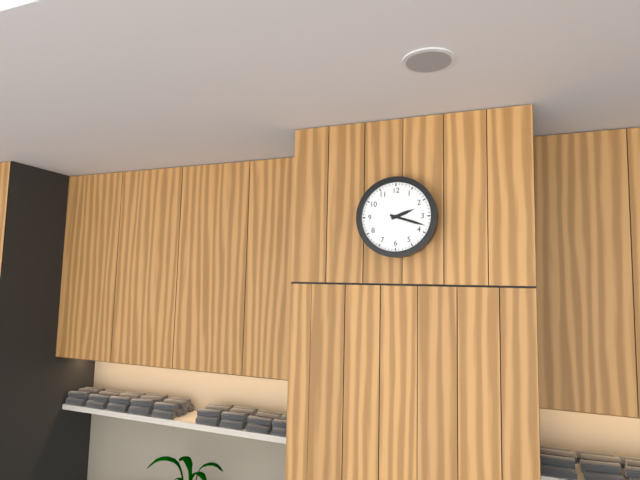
2:18
